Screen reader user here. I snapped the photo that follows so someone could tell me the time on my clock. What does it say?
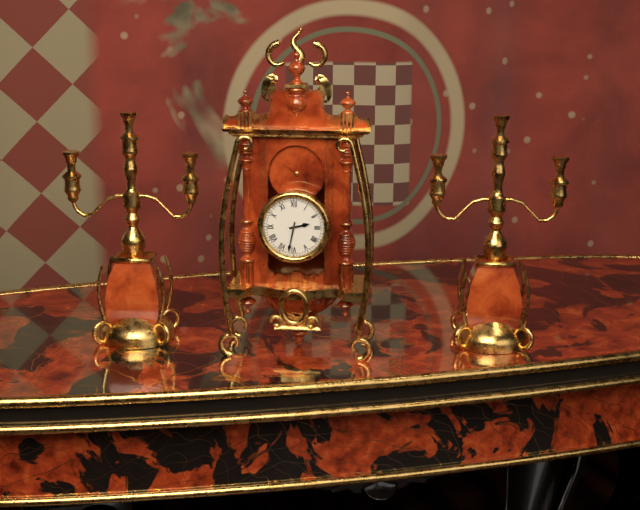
2:32
